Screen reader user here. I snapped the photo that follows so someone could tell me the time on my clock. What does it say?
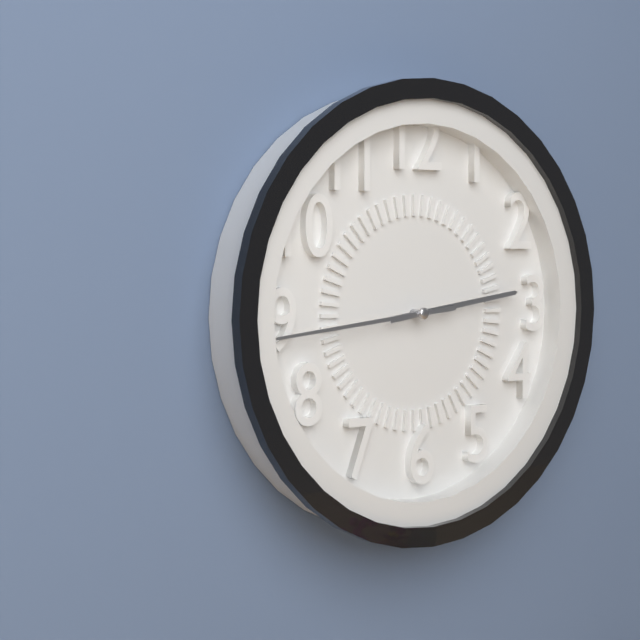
2:44
